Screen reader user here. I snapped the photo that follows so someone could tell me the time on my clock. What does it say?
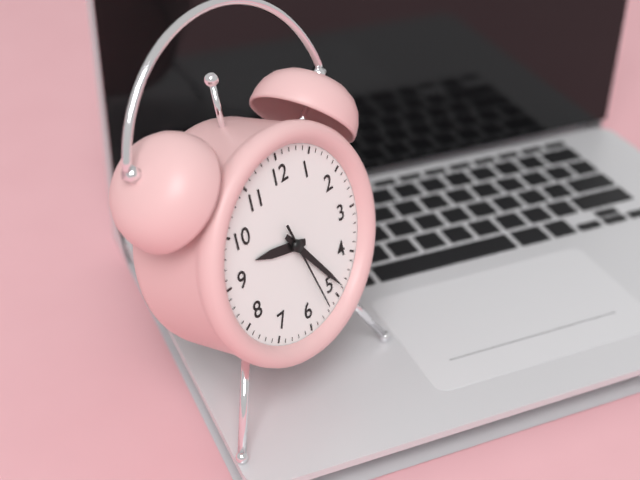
9:24:27
